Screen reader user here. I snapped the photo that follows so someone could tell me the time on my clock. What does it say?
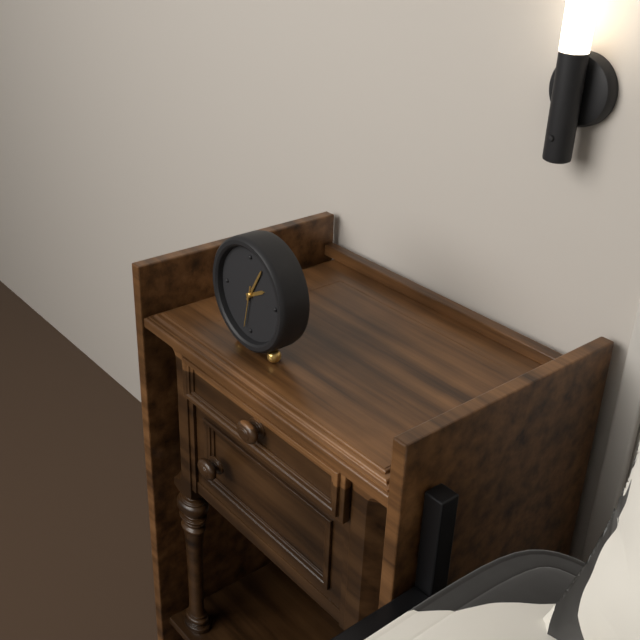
2:05
